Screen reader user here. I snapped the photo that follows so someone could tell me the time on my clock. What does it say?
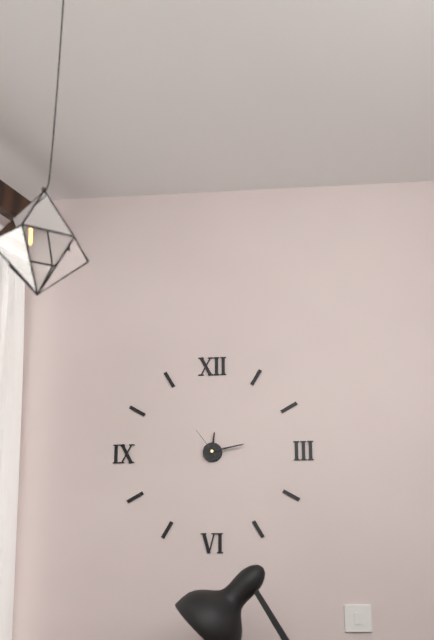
12:13
